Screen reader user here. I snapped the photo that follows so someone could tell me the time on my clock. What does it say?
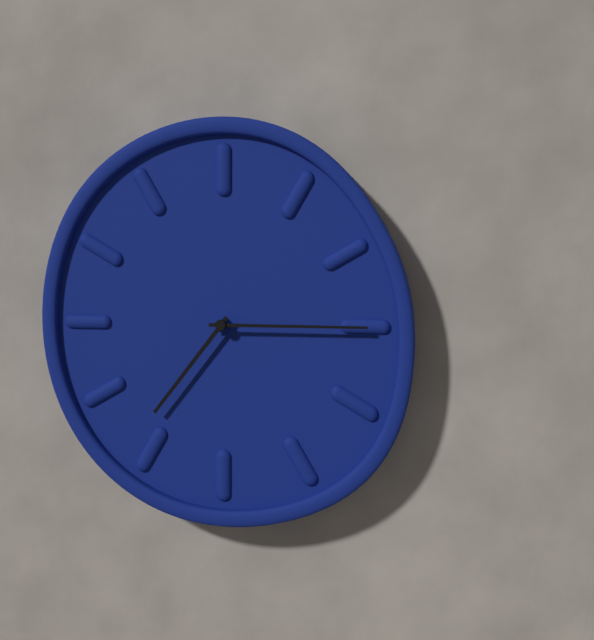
7:15
